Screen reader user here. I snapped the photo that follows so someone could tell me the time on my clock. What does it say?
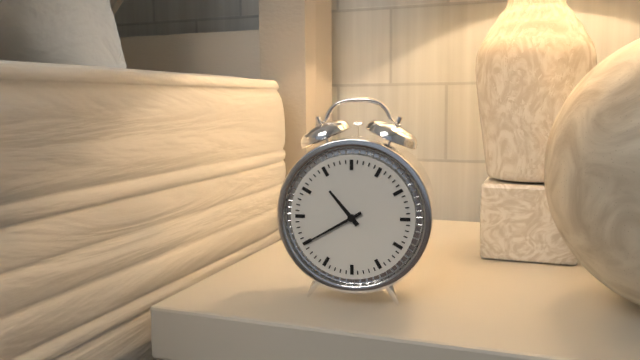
10:40
